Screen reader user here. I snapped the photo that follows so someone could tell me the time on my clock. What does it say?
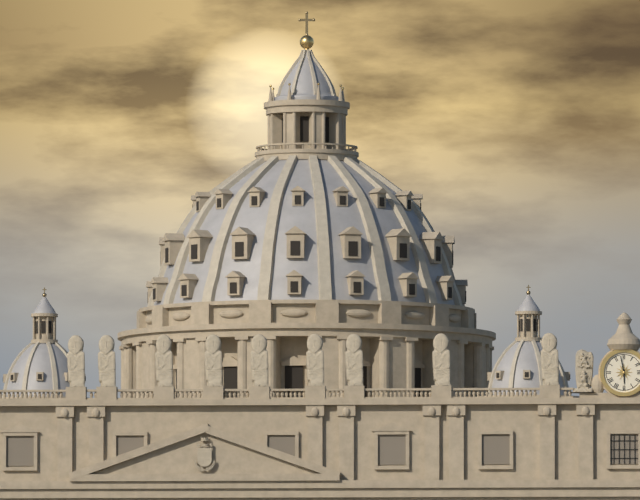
5:58
